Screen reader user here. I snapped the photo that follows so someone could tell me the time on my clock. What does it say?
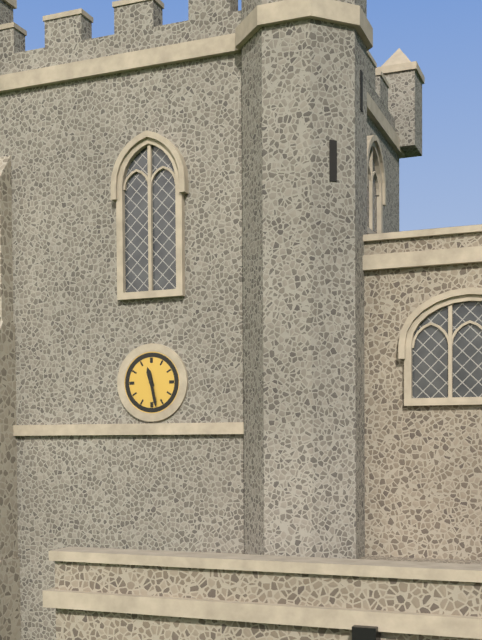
11:28
